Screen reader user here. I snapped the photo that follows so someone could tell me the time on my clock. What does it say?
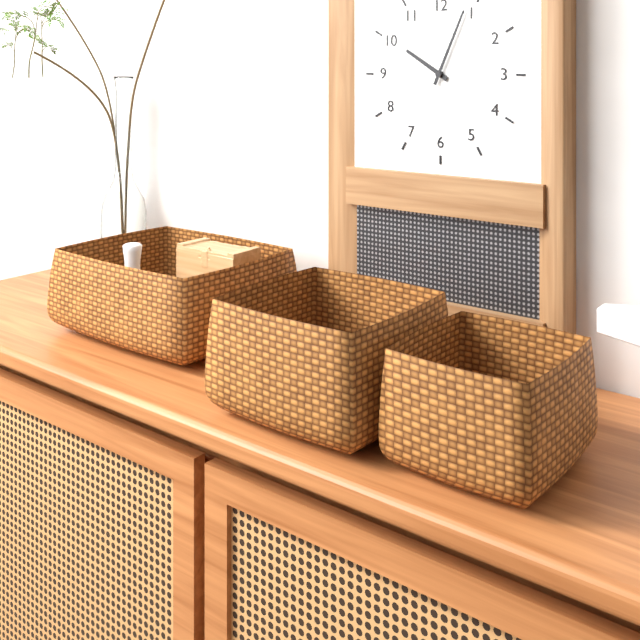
10:04
